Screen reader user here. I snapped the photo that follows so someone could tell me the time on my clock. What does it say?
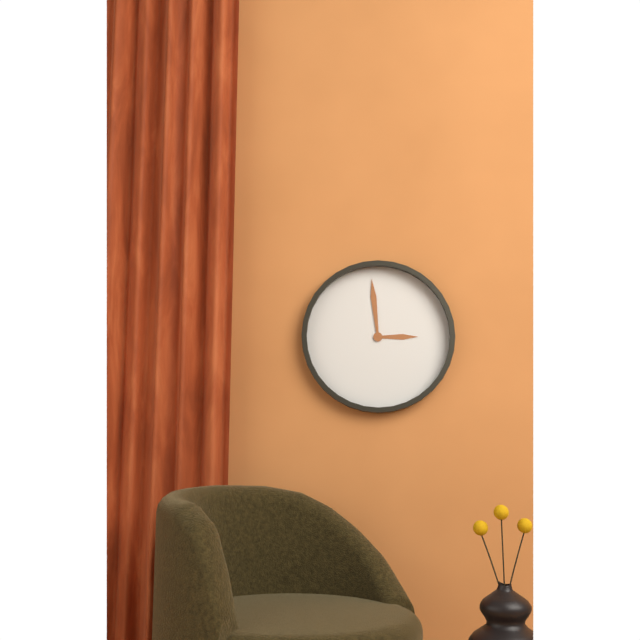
2:59
